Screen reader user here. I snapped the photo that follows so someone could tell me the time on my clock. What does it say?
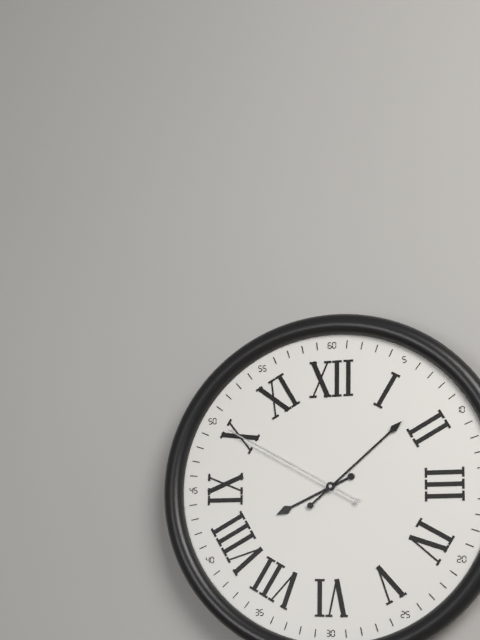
8:08:50
